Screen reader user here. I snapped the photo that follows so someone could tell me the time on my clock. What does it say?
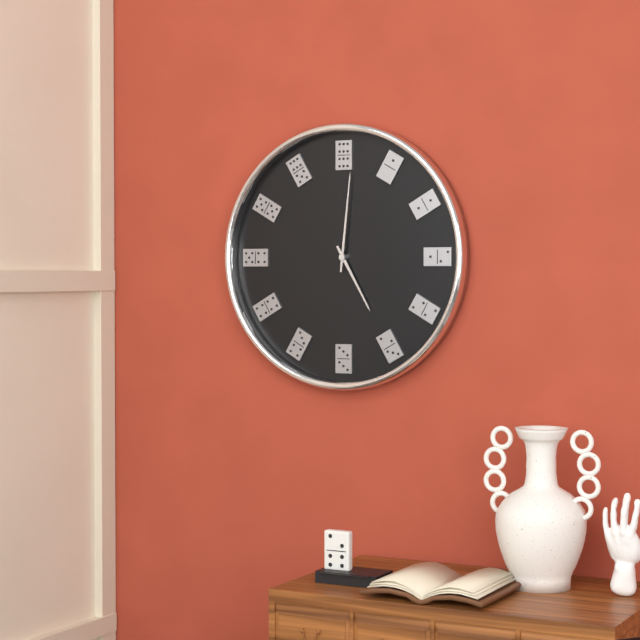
5:01
